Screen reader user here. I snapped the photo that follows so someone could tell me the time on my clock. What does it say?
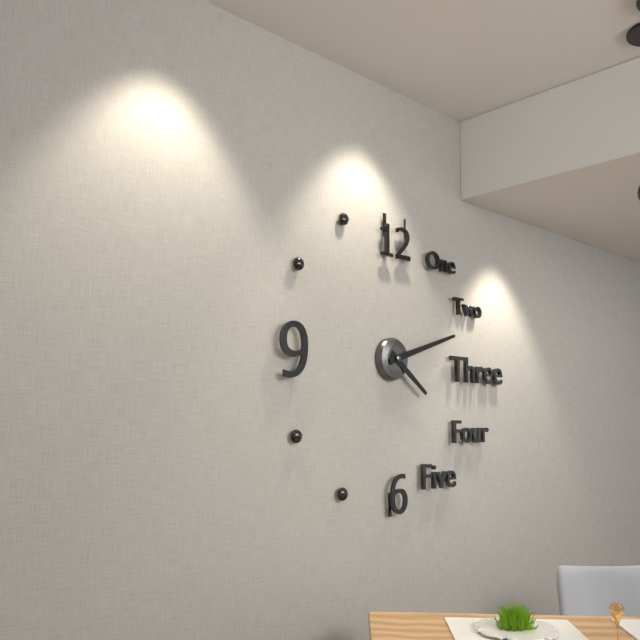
4:12
